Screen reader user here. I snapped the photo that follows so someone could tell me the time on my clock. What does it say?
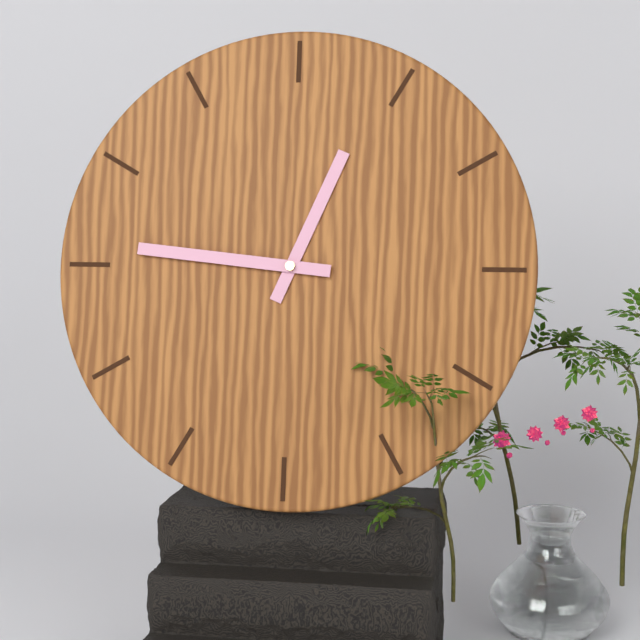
12:46
